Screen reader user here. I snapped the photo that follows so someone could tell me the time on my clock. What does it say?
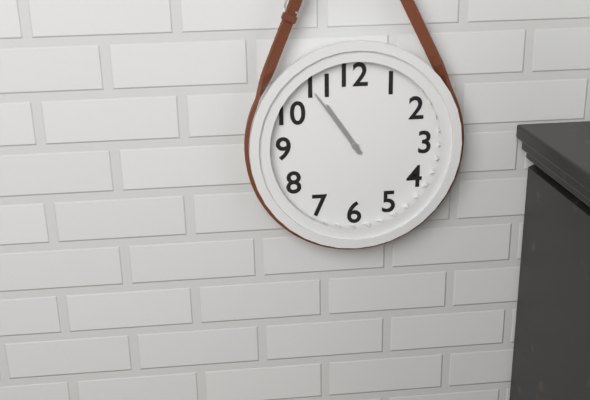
10:54
